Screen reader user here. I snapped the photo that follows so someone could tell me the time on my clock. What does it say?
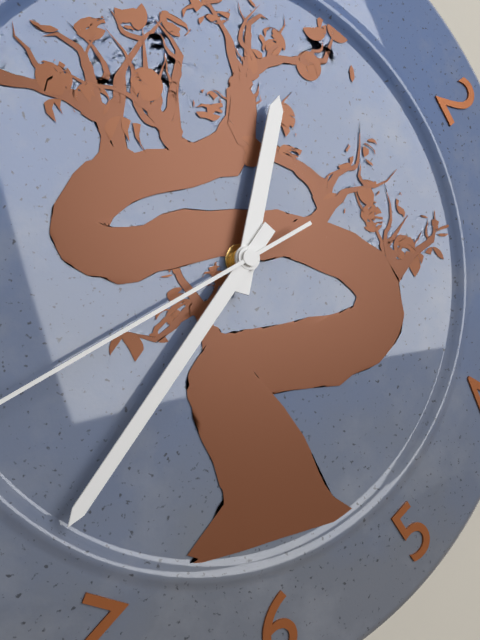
12:37
